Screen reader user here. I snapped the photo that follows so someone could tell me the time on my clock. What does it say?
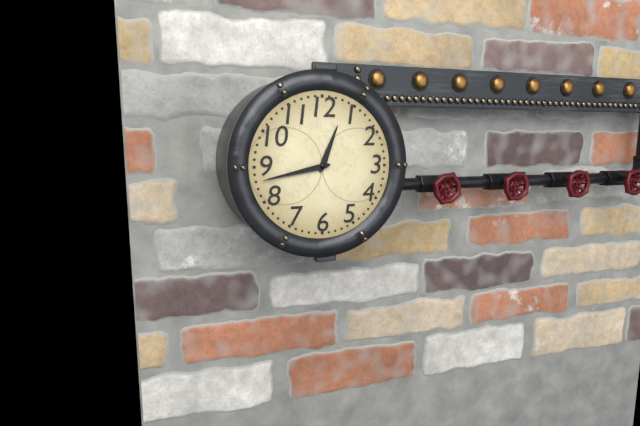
12:43
